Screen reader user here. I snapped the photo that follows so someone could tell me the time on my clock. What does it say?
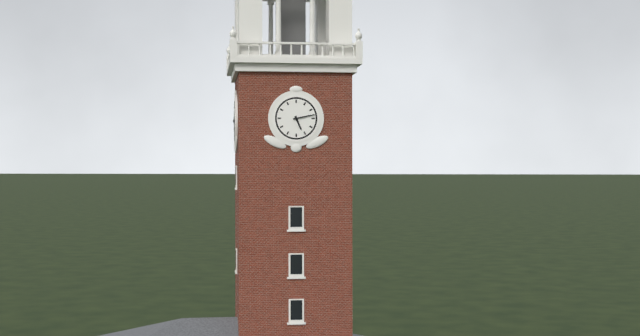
5:13
